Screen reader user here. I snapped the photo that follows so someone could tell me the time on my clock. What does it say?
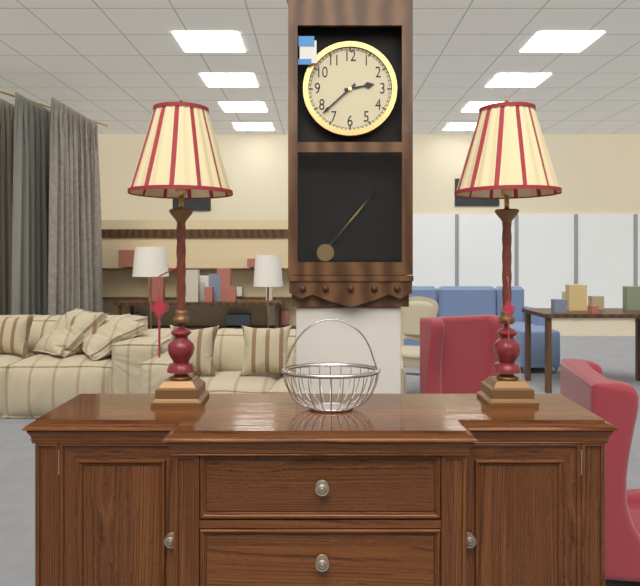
2:38
